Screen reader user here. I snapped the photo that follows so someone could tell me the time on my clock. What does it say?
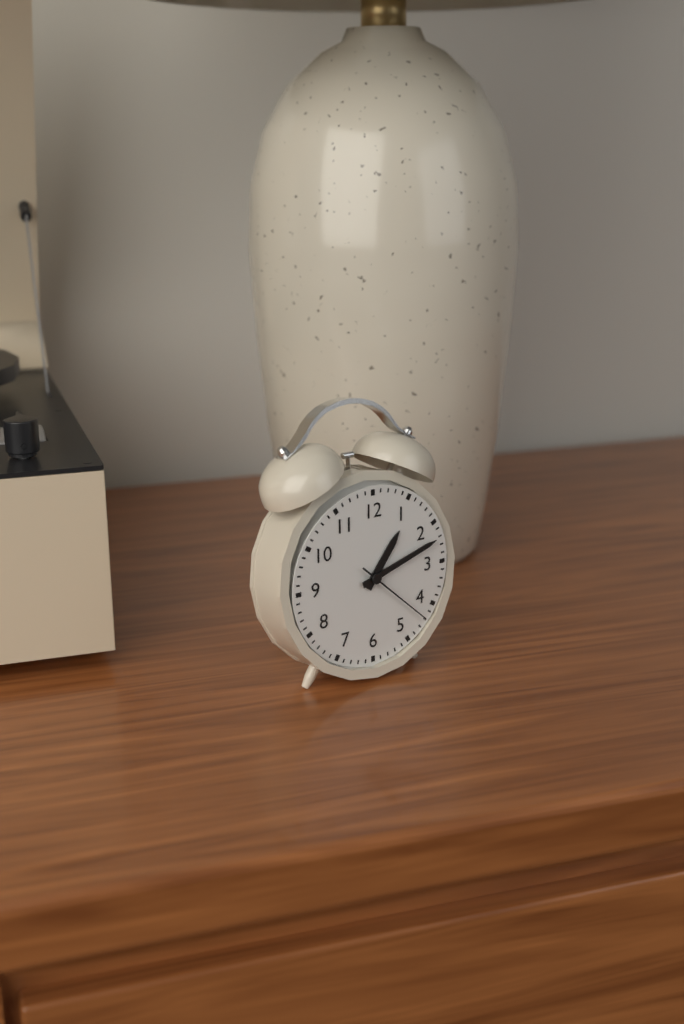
1:12:22
